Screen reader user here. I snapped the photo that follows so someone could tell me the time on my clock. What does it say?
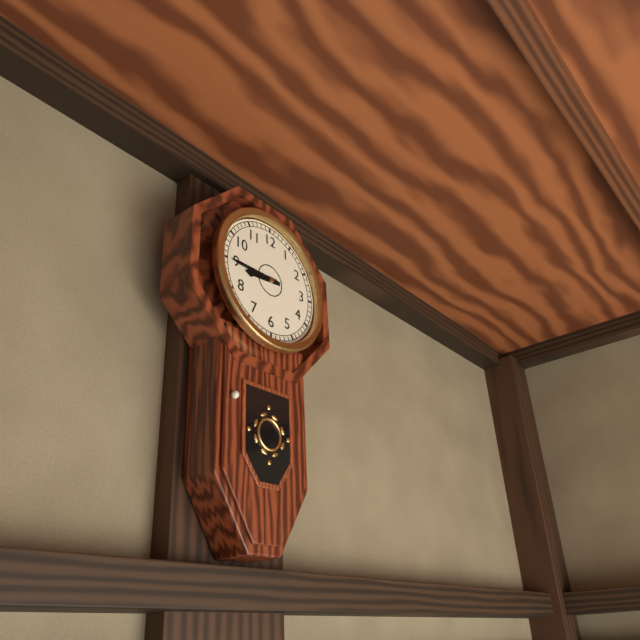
8:45
